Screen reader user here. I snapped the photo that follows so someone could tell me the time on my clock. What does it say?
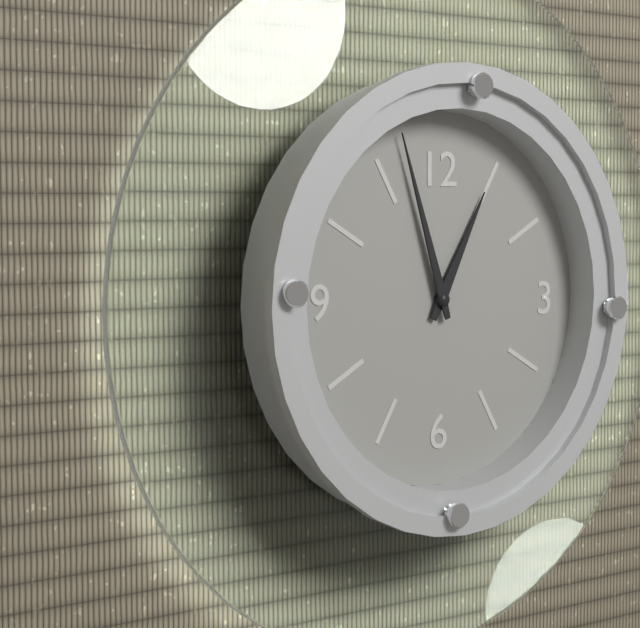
12:57
